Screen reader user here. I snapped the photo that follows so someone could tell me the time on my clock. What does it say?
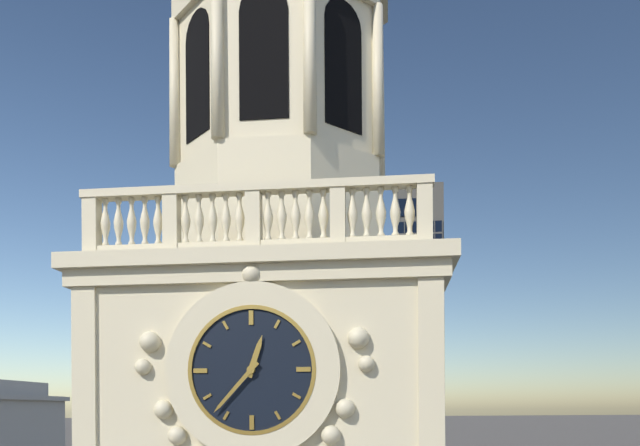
12:37
